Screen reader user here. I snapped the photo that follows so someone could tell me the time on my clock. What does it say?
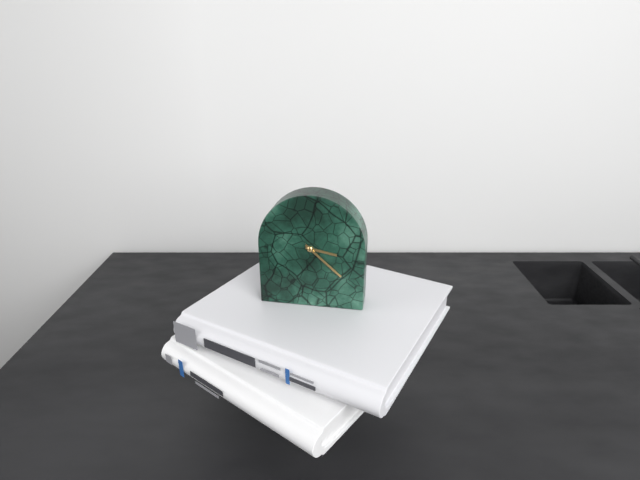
3:22
